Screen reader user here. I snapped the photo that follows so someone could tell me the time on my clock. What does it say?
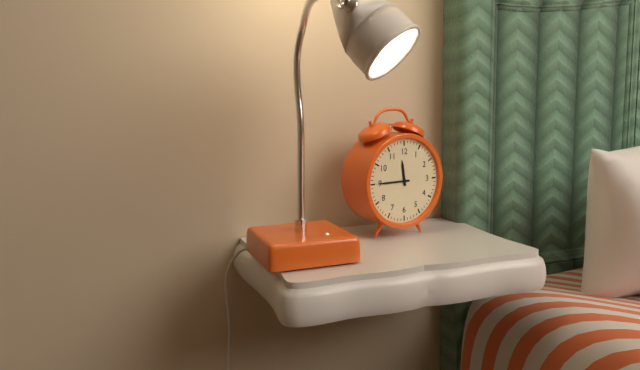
11:45
